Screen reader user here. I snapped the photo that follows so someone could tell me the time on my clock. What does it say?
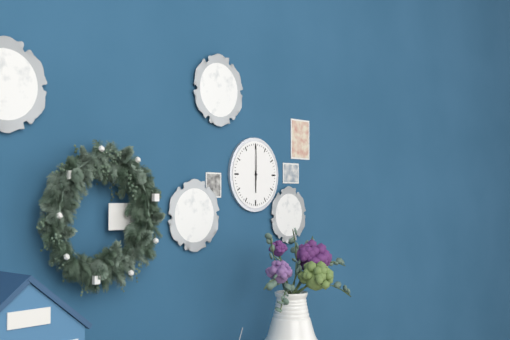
6:00
